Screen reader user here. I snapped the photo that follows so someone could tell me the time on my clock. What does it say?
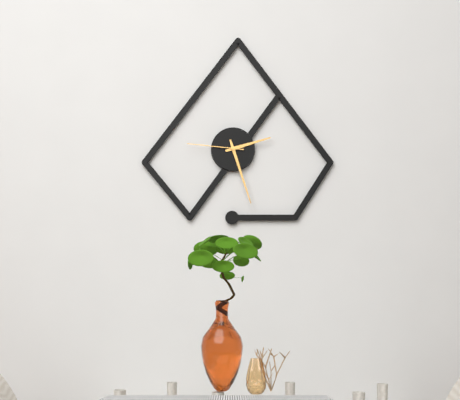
2:27:46
